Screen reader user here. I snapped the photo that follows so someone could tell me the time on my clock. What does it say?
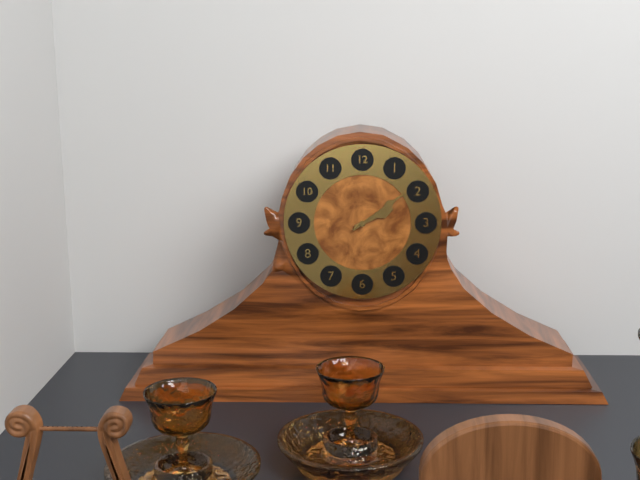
2:09
